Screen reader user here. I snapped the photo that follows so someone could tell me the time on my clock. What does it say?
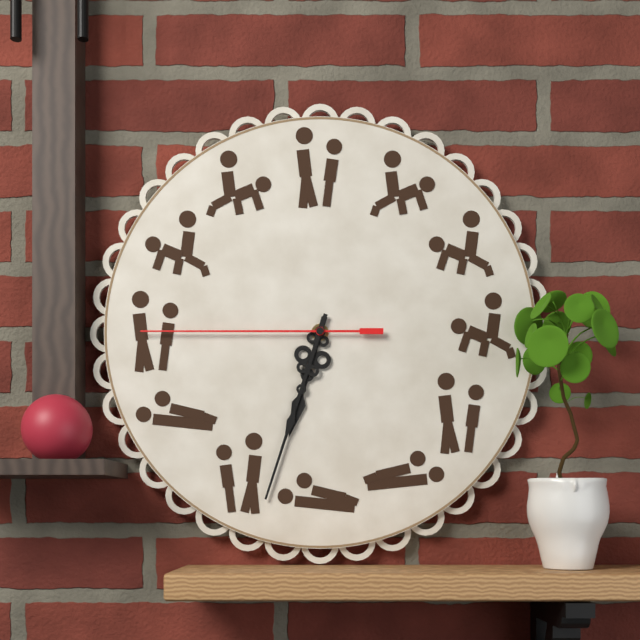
6:33:45
